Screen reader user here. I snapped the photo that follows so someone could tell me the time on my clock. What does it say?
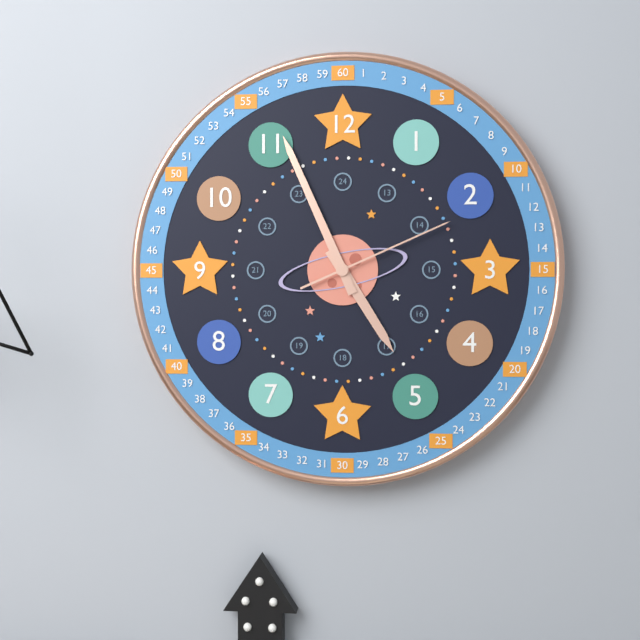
4:56:11
